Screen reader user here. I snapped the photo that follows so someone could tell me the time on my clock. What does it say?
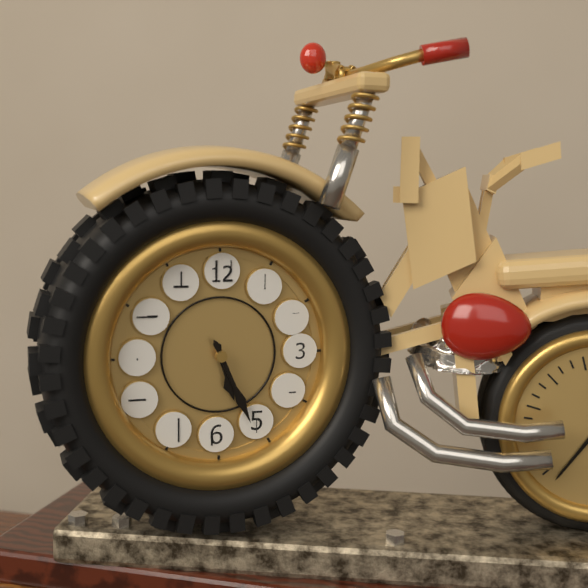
5:26
